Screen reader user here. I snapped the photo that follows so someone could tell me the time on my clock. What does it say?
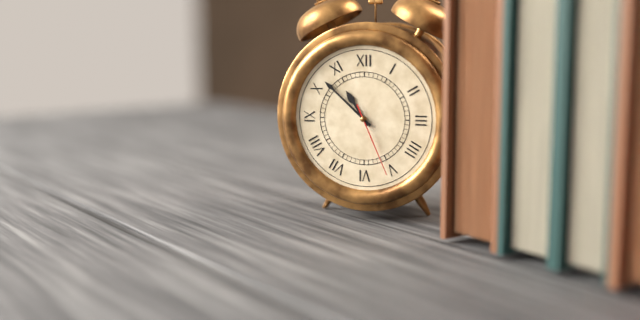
10:52:26
